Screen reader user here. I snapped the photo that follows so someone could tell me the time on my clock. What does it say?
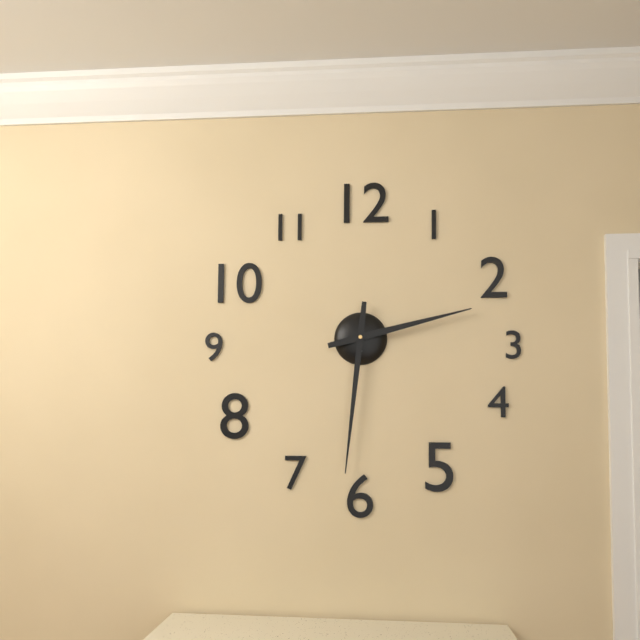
2:31
